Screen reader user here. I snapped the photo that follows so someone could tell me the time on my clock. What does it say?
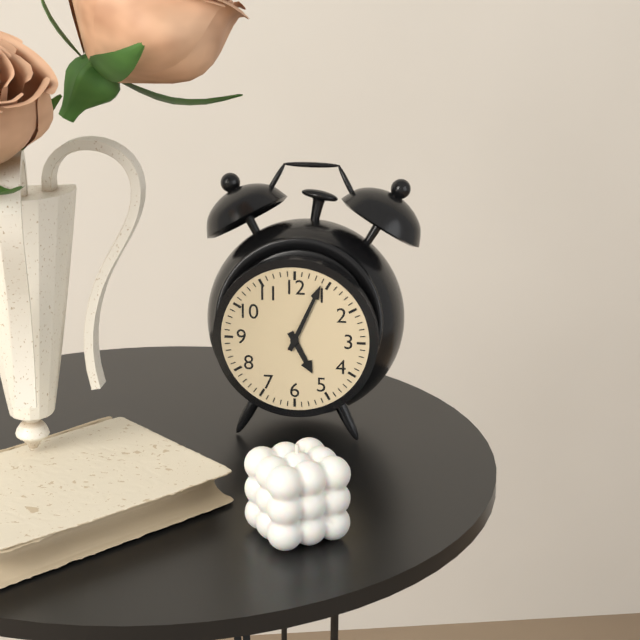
5:04
